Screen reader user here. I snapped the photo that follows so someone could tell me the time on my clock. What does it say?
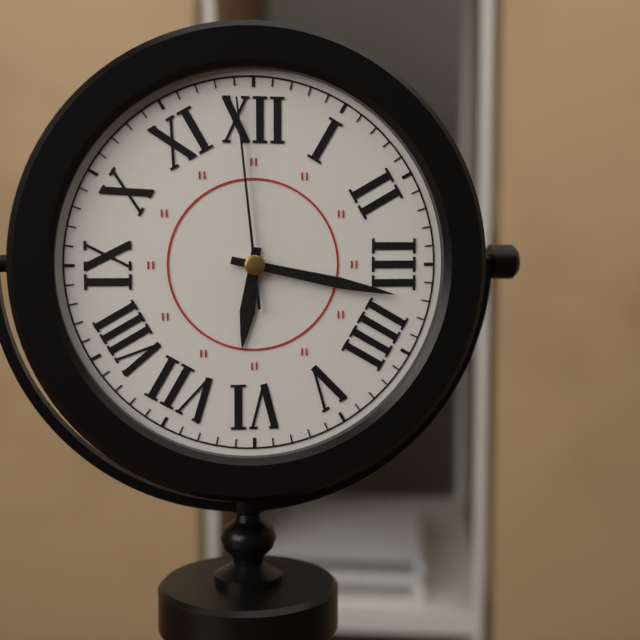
6:17:59
